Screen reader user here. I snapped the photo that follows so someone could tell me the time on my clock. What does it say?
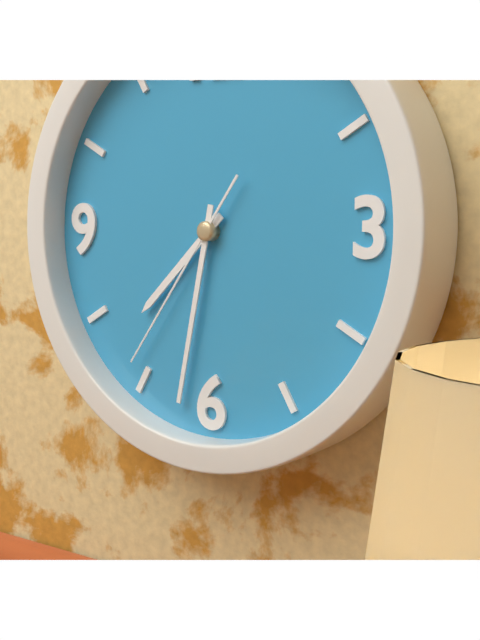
7:32:36
